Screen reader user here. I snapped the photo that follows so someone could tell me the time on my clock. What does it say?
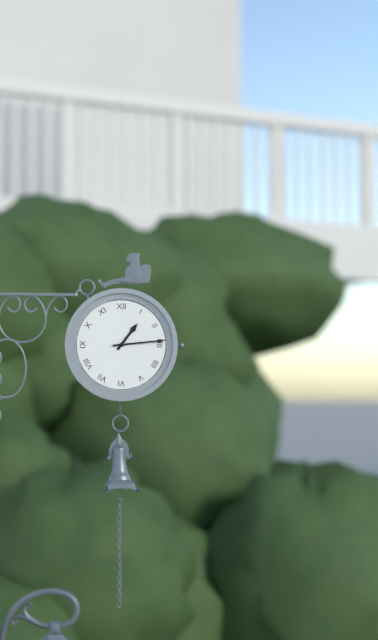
1:14
